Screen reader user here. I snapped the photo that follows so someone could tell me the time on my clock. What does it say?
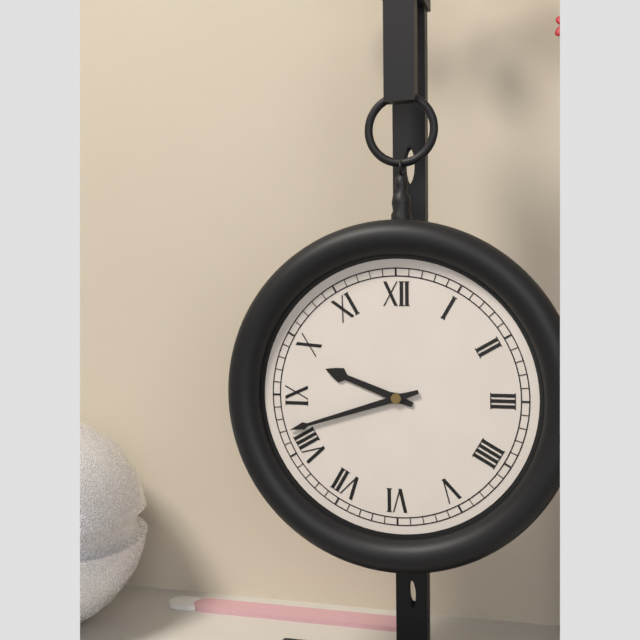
9:42
